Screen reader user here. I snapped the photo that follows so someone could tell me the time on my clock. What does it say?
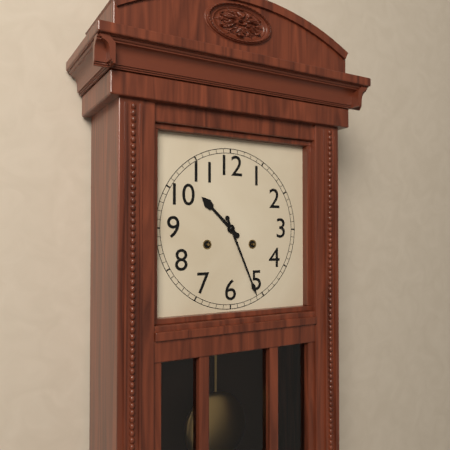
10:26
